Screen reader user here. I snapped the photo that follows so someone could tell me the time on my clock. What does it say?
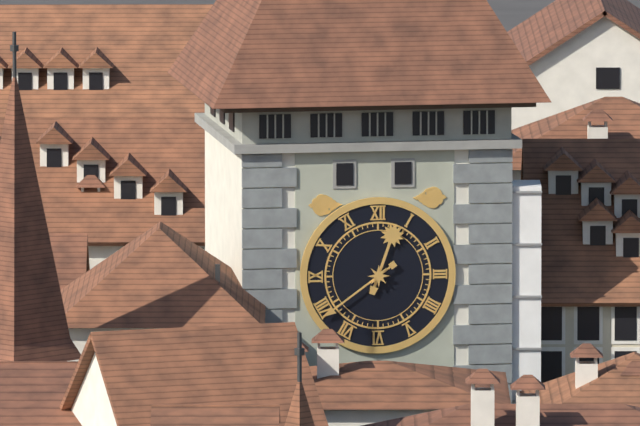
12:39
